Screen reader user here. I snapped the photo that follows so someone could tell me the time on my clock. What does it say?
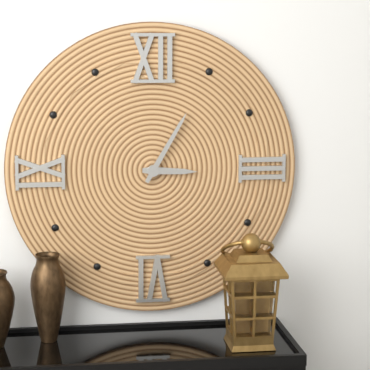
3:05
